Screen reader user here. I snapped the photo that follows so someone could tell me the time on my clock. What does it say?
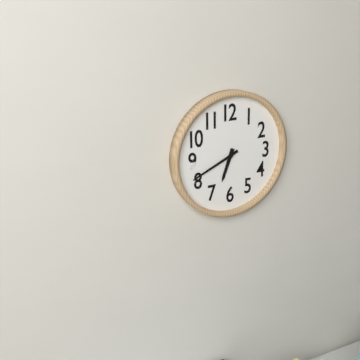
6:41
